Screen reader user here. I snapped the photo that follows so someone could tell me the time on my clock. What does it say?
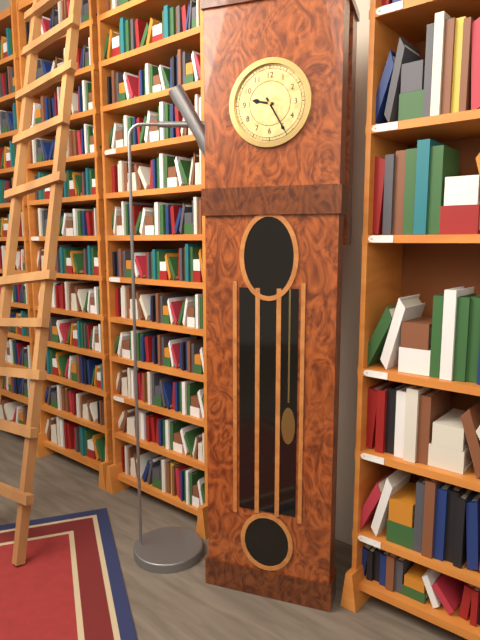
9:25
